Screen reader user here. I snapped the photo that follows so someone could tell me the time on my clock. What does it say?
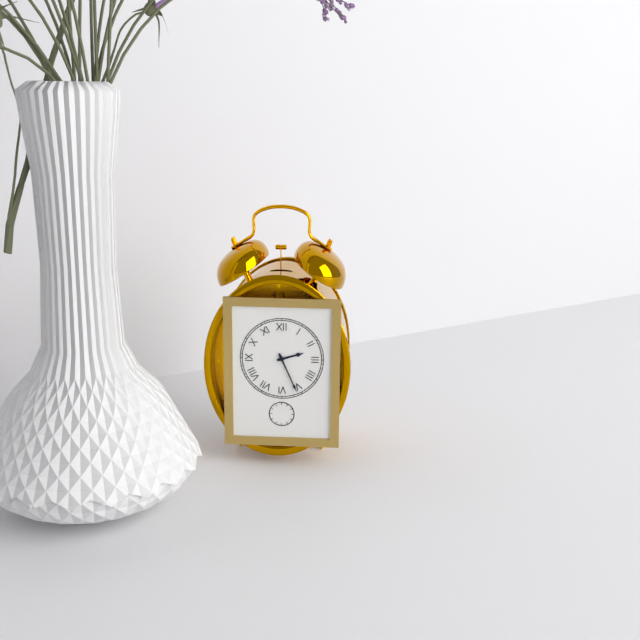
2:26
